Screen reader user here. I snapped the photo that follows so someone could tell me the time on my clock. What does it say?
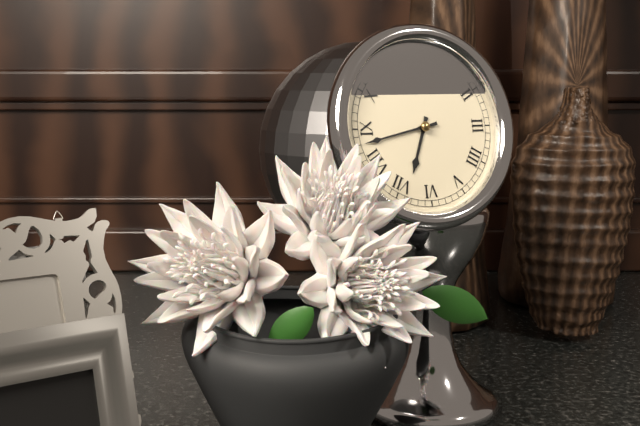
6:43
